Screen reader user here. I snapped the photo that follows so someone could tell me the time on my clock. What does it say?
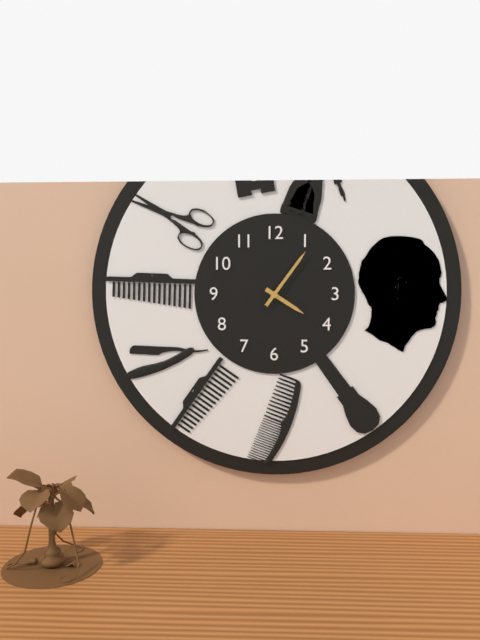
4:06
